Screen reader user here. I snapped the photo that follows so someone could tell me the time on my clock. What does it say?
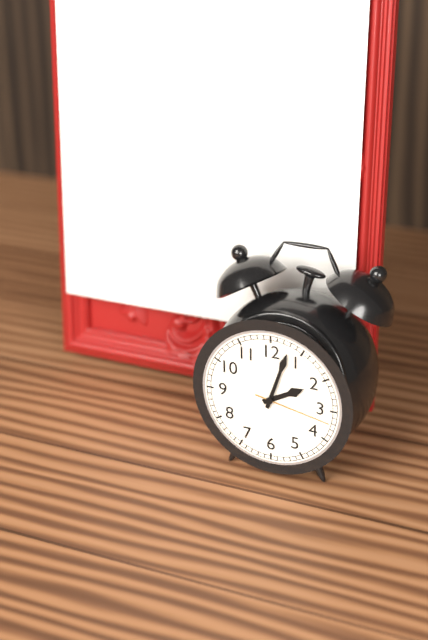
2:03:17
